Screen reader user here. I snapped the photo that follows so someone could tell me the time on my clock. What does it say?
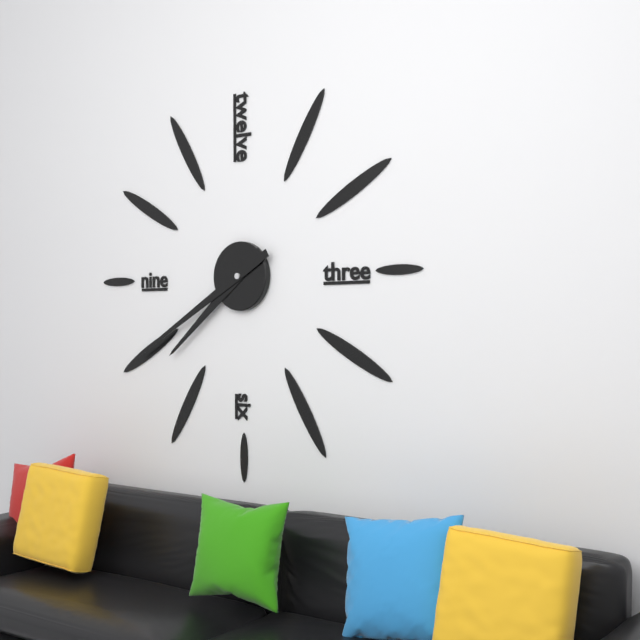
7:40
